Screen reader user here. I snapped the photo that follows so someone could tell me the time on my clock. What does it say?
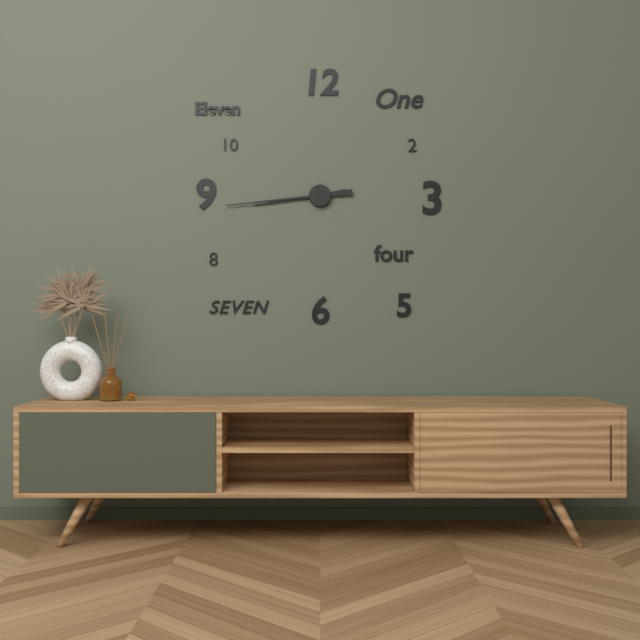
8:44
